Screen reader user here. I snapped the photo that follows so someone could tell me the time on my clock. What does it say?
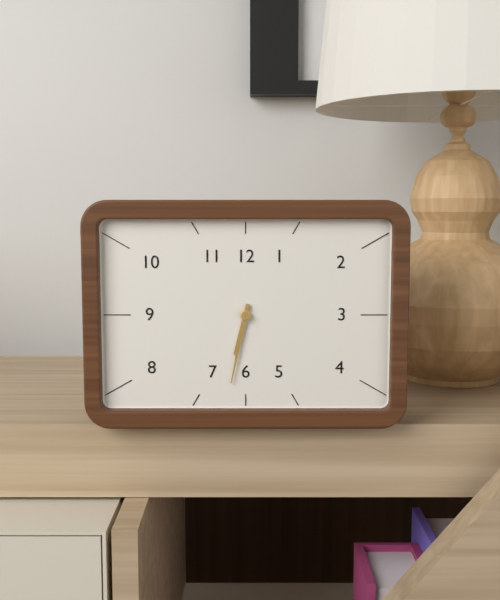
6:32
